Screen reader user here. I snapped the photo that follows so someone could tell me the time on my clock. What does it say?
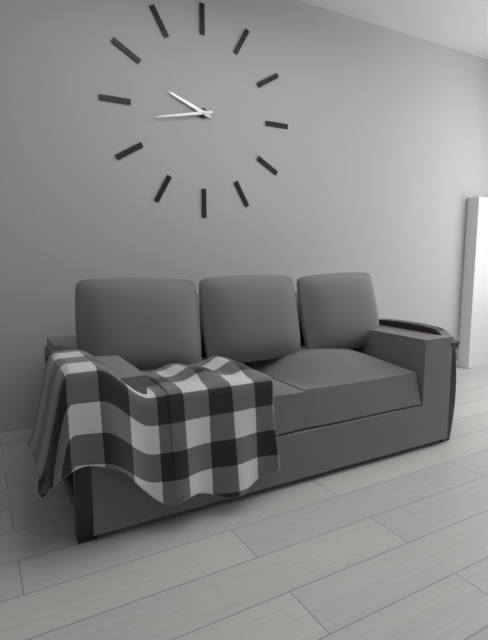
9:43
